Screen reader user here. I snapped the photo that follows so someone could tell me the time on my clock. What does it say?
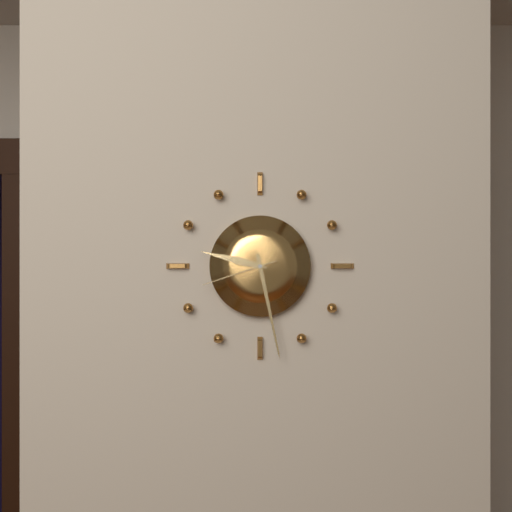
9:28:42
